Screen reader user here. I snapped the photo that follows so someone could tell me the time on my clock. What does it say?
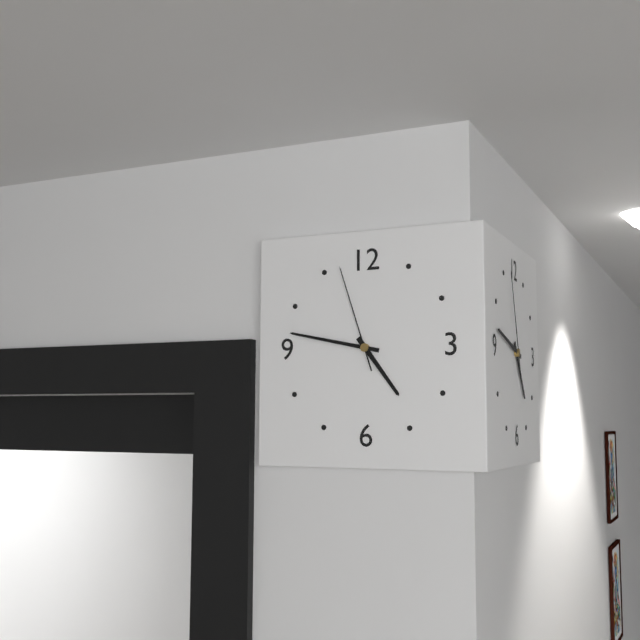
4:47:57
